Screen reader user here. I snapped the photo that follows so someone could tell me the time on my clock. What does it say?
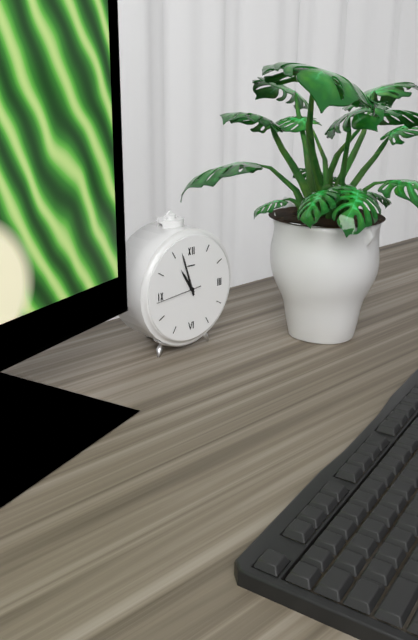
10:57
